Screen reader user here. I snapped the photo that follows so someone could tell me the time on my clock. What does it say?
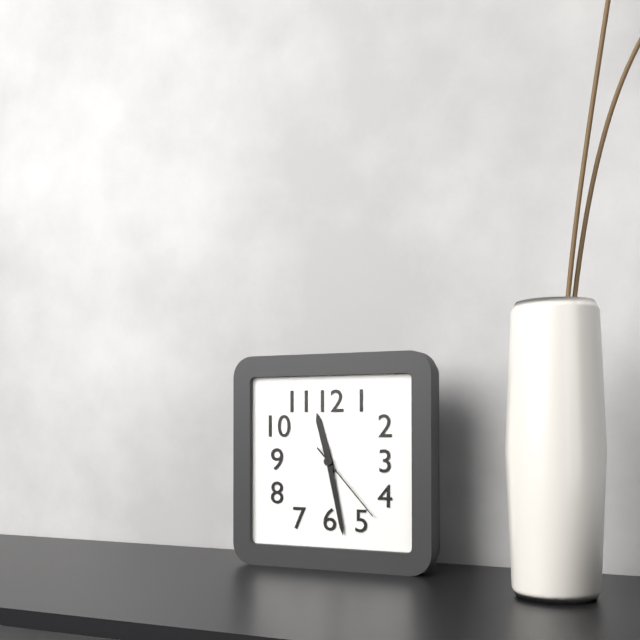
11:28:23
